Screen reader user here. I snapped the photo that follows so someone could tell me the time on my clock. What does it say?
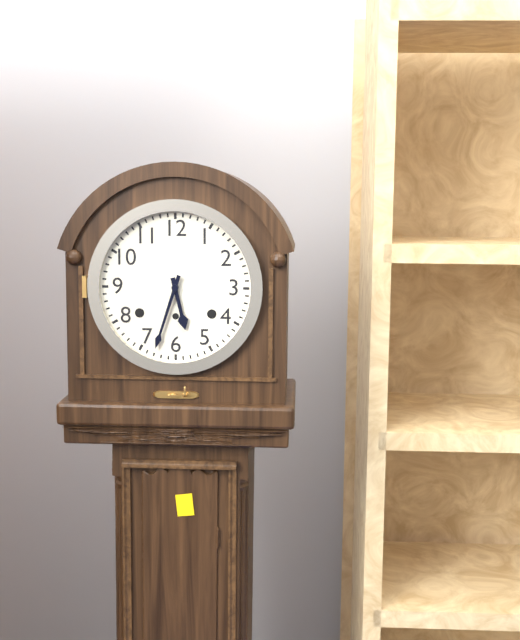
5:33
